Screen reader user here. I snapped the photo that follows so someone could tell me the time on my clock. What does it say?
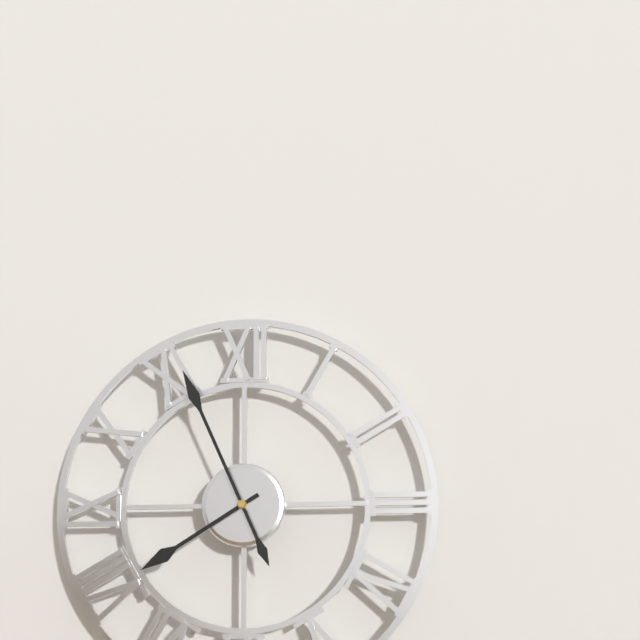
7:56
